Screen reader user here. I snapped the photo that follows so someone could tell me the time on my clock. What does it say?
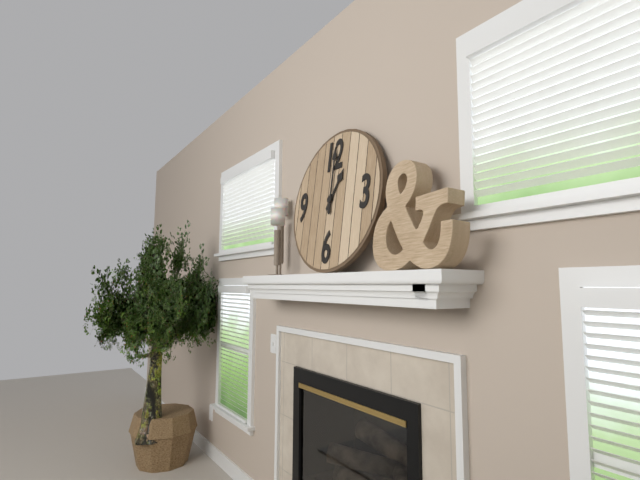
1:00
